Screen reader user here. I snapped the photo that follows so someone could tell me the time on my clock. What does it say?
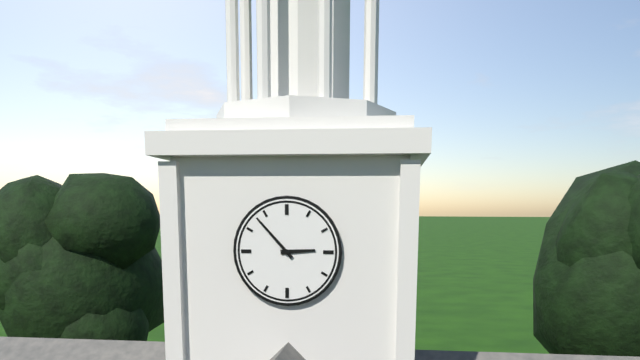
2:53
